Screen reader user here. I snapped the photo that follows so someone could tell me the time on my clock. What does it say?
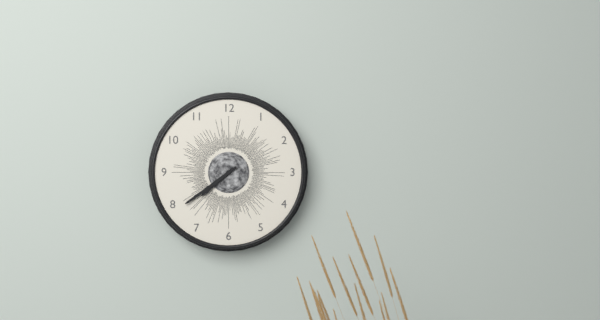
7:39
